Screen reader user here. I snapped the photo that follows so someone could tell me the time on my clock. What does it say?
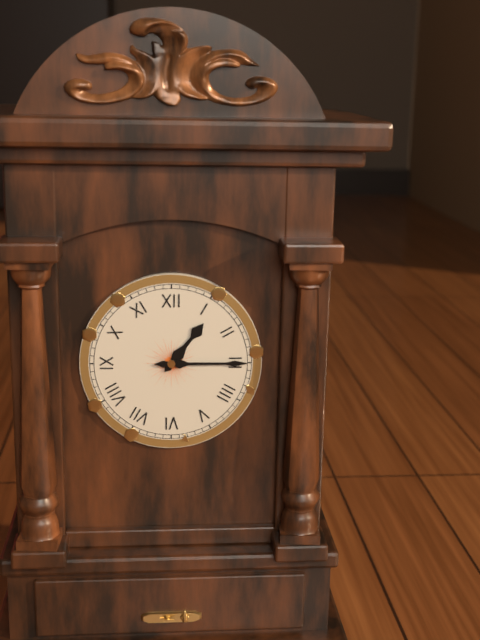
1:15
